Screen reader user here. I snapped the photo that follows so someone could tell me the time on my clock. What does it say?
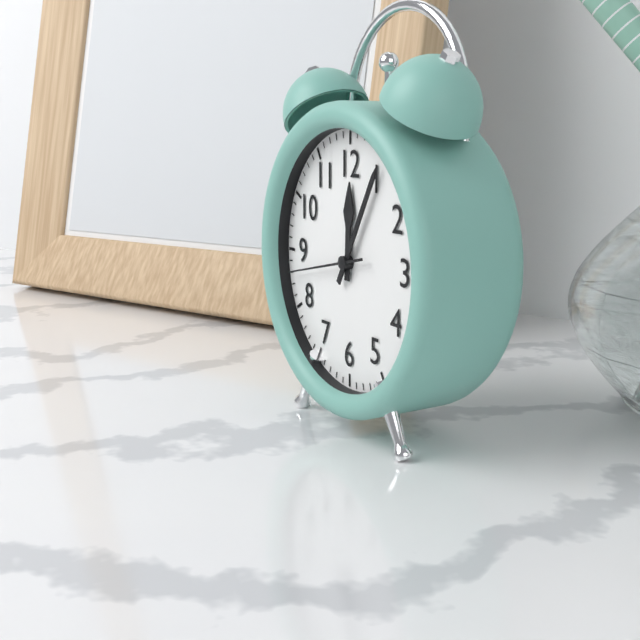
12:05:43
